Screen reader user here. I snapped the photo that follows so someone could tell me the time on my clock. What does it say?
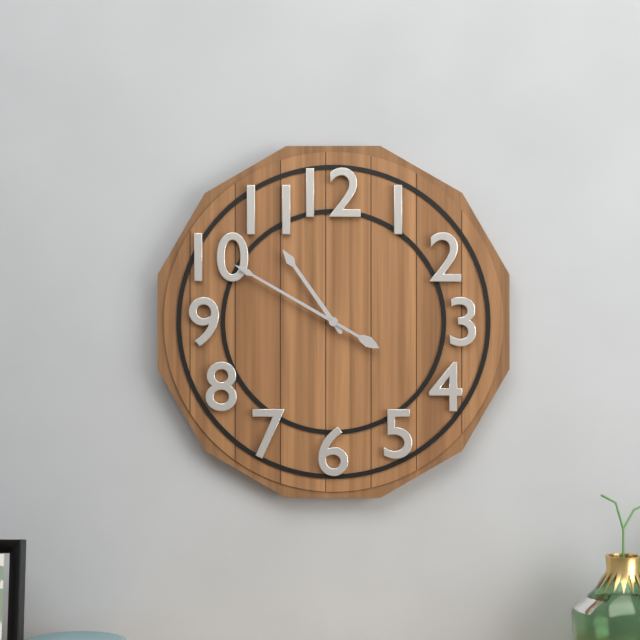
10:50
